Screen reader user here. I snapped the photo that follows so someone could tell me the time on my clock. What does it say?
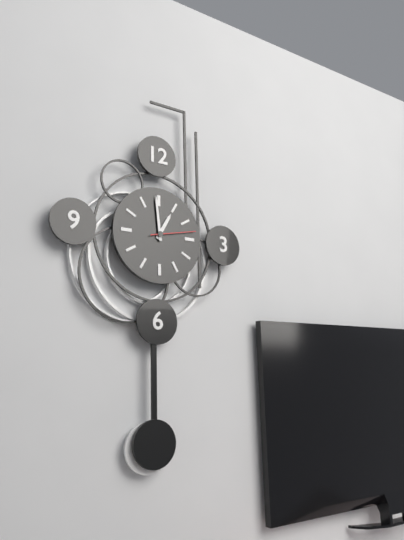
12:59:13
